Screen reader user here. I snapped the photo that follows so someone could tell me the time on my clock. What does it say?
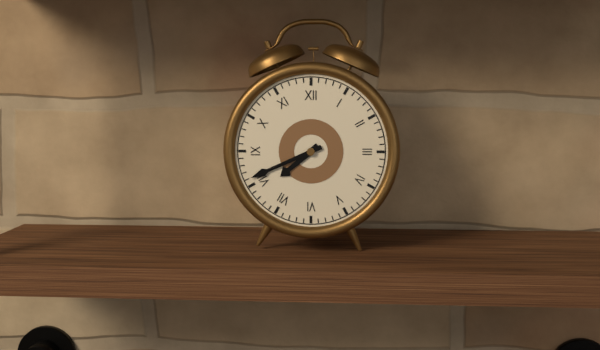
7:41
